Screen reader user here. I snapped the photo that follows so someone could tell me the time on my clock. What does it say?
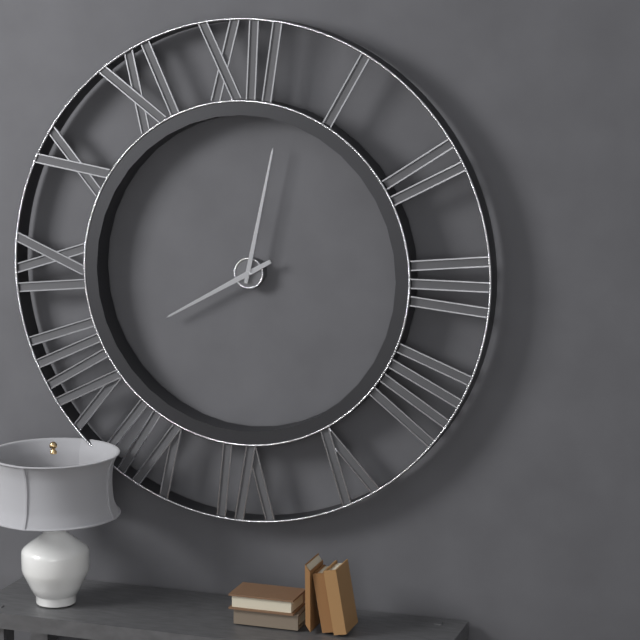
8:02
